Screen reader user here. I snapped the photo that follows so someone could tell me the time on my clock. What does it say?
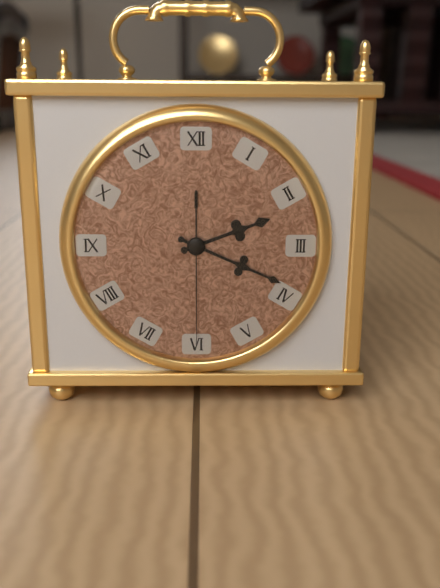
2:19:30
